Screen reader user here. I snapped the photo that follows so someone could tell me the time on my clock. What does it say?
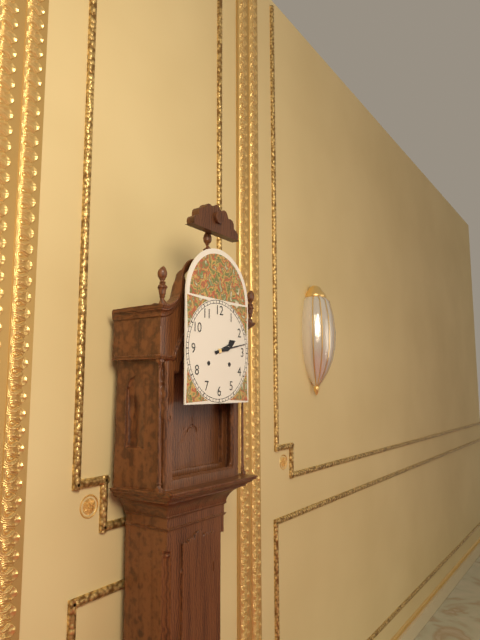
2:13
